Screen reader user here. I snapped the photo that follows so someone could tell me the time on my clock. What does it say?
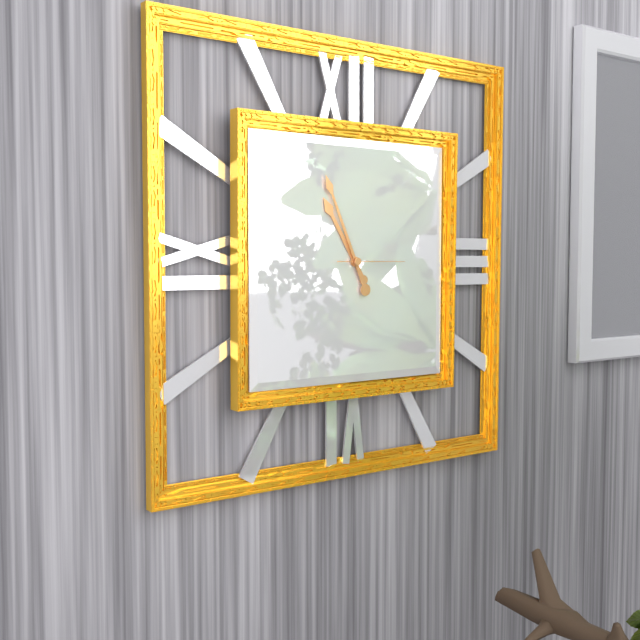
10:56:15
